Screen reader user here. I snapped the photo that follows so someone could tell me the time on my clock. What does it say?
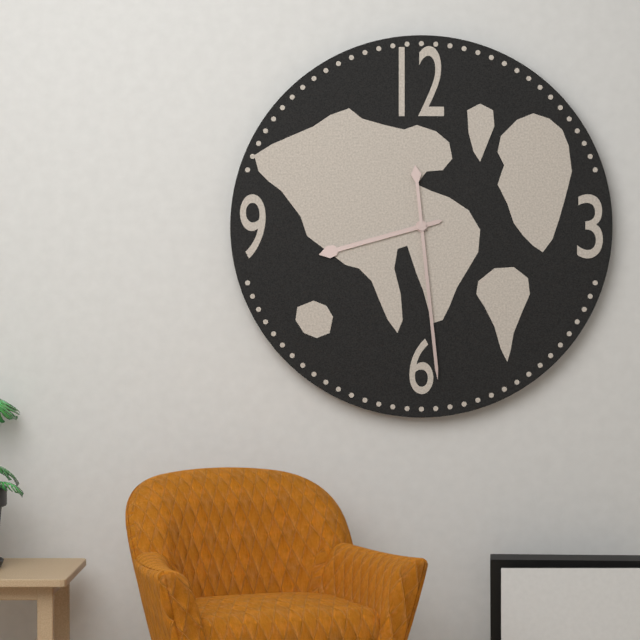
8:29
